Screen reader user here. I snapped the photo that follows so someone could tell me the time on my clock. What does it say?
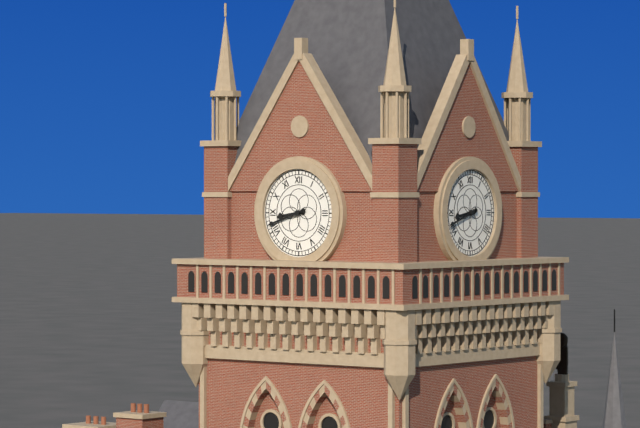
8:42
